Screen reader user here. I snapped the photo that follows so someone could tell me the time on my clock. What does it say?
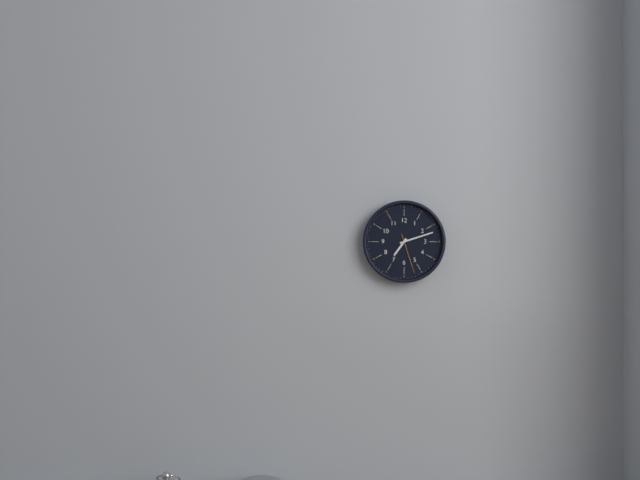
7:12
